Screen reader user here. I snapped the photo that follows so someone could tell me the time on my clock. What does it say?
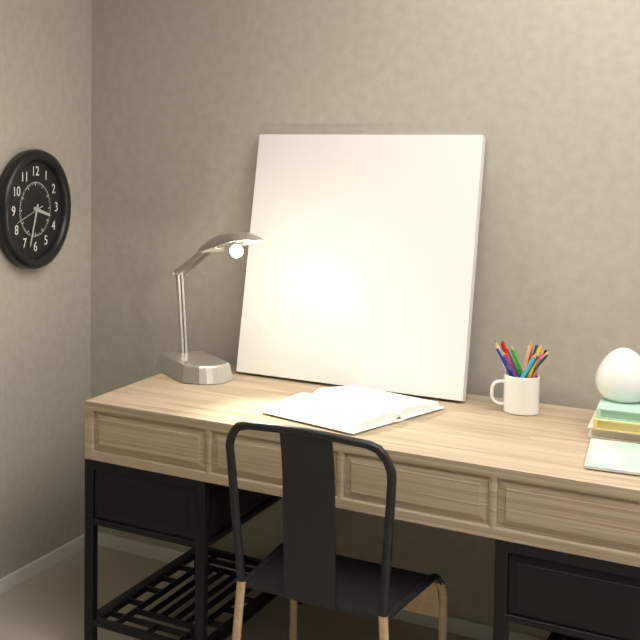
3:33
